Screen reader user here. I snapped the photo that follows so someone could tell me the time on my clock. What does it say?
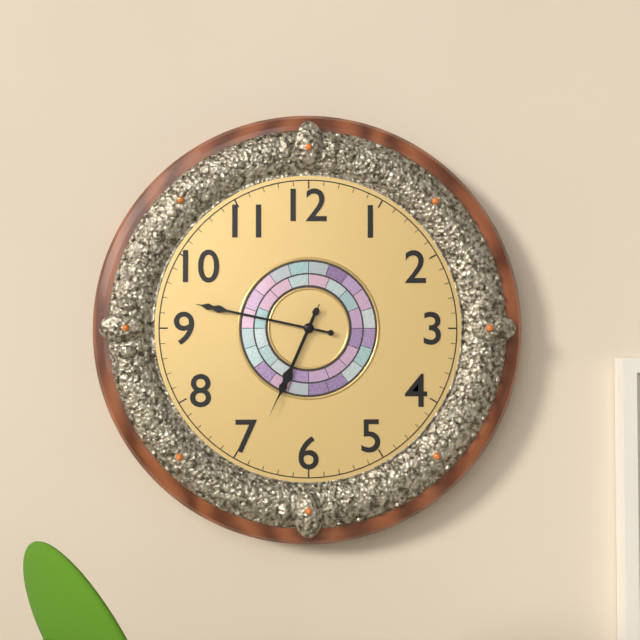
6:47:34
